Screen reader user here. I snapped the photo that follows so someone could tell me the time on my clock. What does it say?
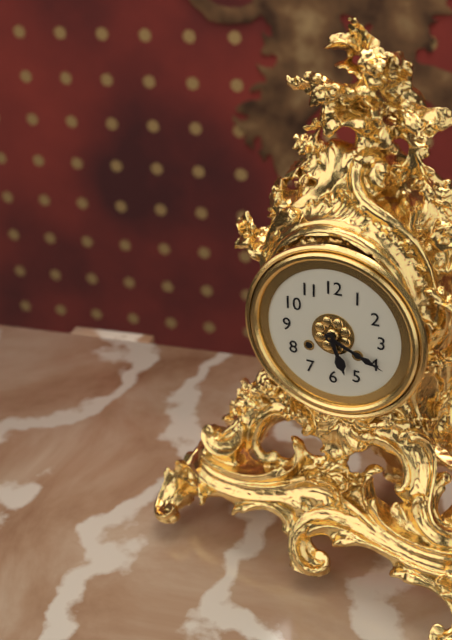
5:19
